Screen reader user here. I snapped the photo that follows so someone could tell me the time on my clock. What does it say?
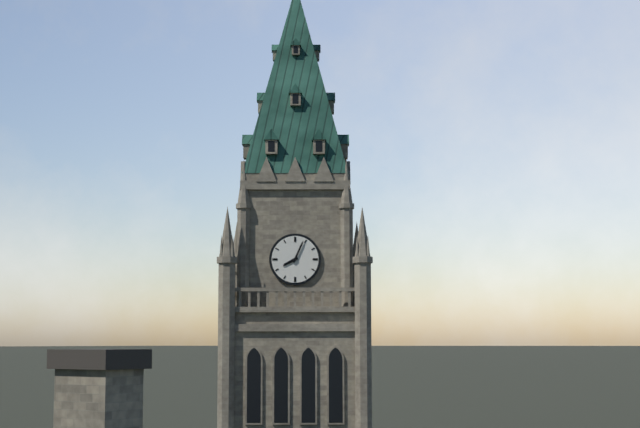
8:04
